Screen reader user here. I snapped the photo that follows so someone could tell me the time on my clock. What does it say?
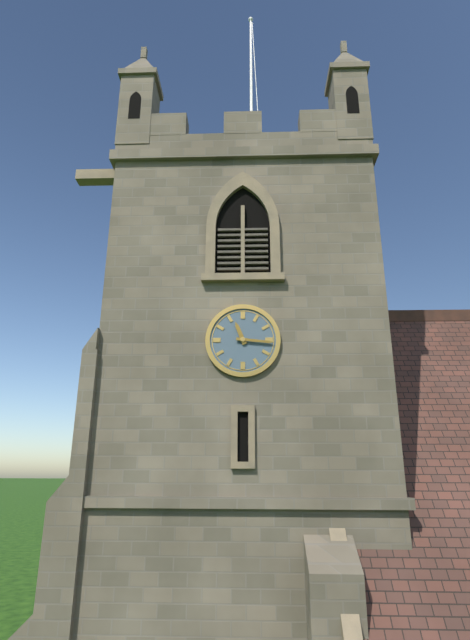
11:16
